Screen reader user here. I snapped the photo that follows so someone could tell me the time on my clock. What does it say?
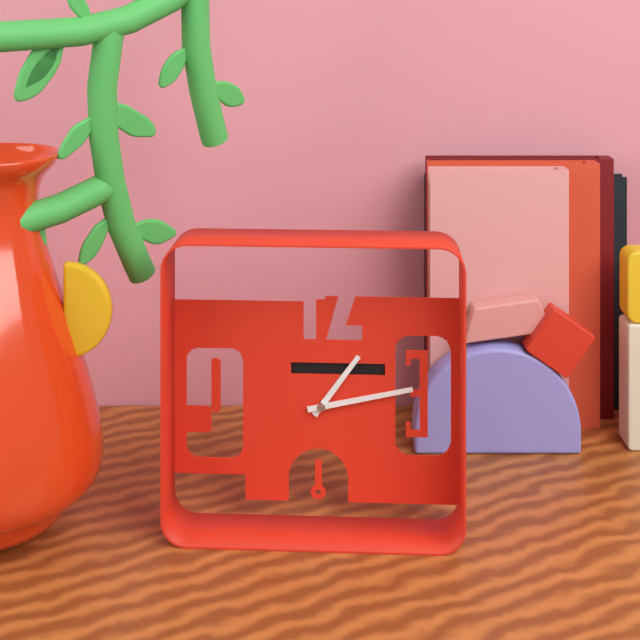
1:13
